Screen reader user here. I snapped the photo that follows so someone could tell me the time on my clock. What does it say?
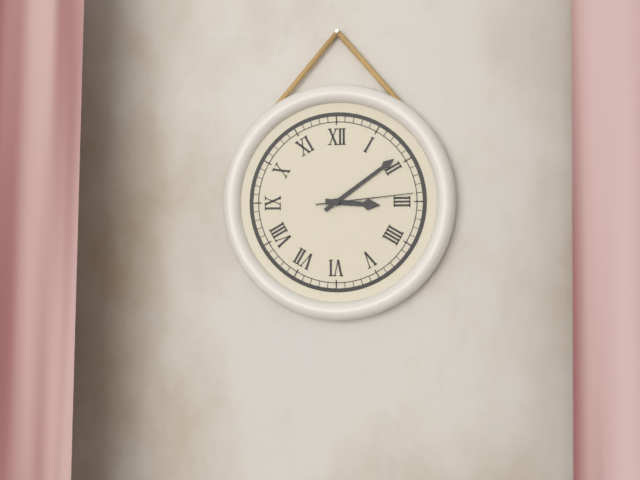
3:09:14
